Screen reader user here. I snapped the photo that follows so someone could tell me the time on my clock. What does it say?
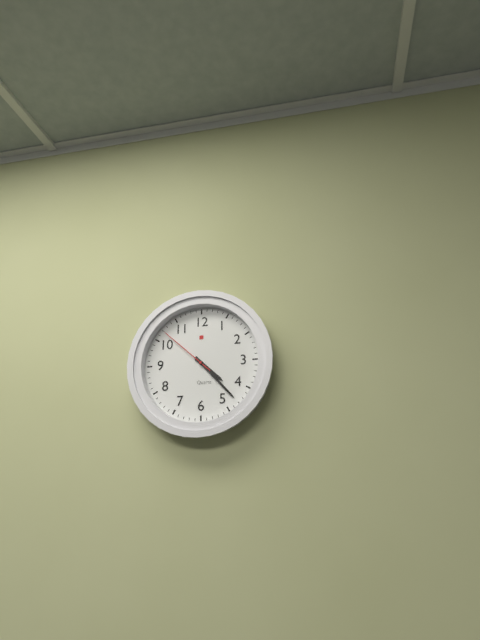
4:23:52
